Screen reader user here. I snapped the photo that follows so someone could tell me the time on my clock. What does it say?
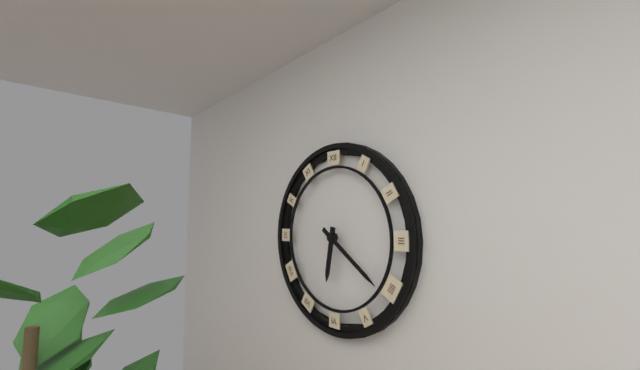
6:21
